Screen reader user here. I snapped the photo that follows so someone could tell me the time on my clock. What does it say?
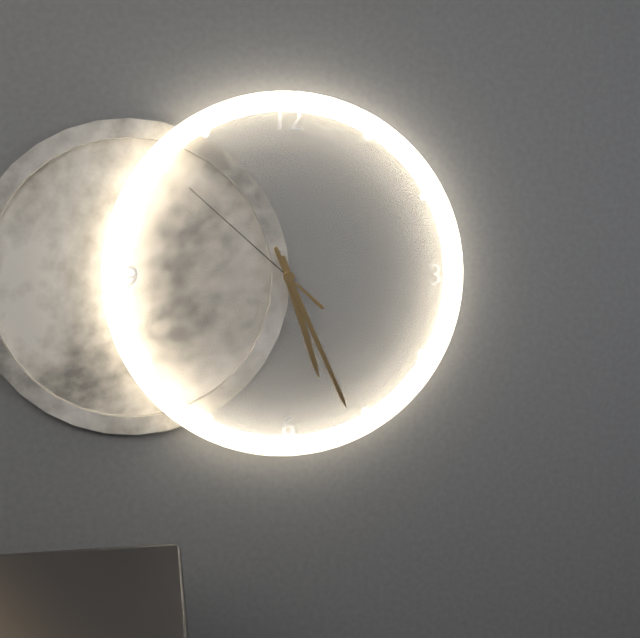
5:26:52
